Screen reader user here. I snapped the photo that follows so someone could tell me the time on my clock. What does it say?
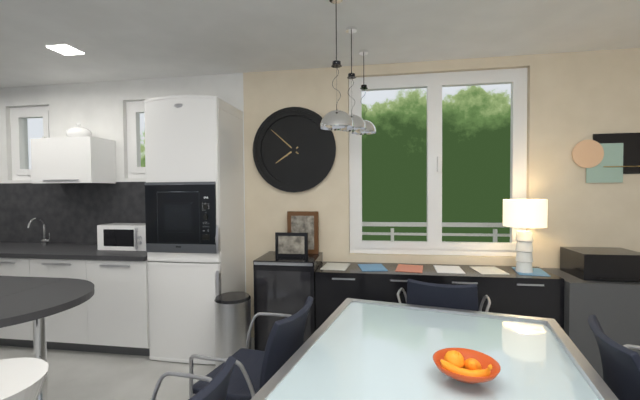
7:52
